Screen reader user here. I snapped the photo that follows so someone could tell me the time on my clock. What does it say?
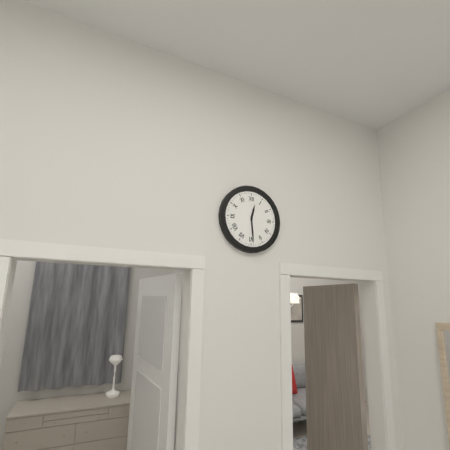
12:29
